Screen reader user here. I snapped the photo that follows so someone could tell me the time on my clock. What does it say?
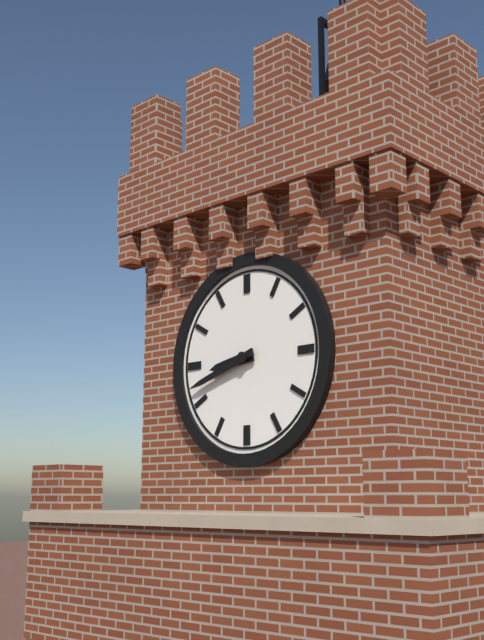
8:42
